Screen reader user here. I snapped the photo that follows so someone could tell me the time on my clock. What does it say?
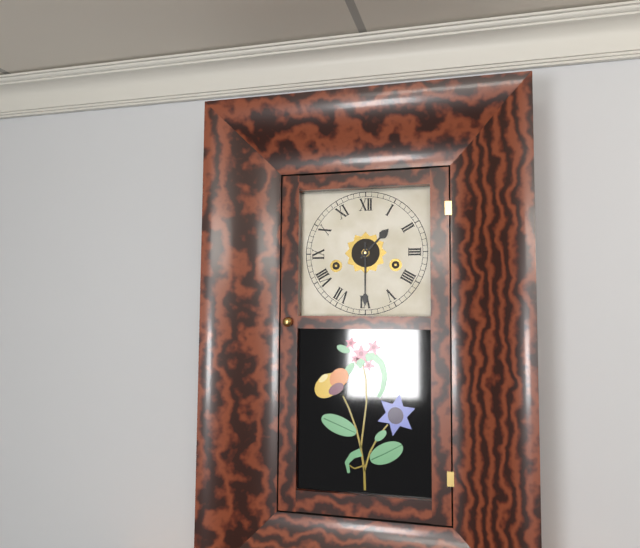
1:30
